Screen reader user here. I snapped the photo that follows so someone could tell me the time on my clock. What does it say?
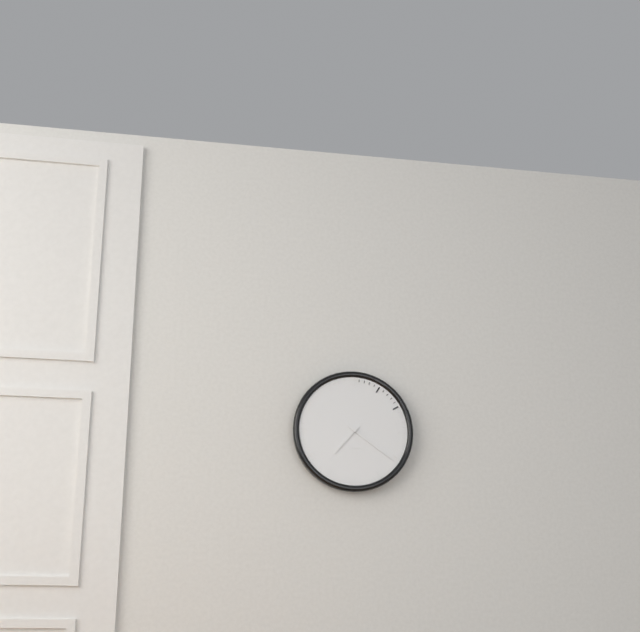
7:21
